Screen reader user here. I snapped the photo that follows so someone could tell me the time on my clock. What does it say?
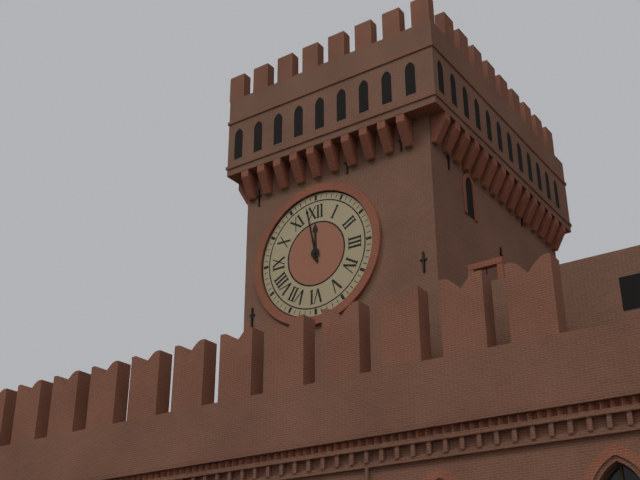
11:58
